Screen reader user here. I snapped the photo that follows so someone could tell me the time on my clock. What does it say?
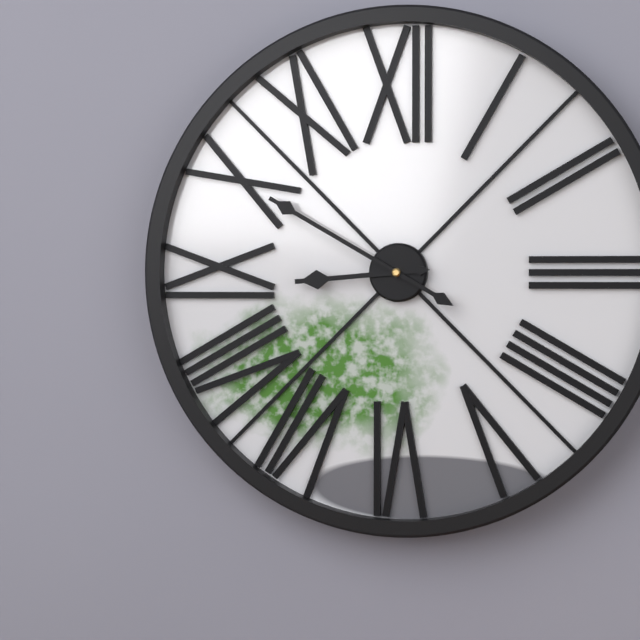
8:50
